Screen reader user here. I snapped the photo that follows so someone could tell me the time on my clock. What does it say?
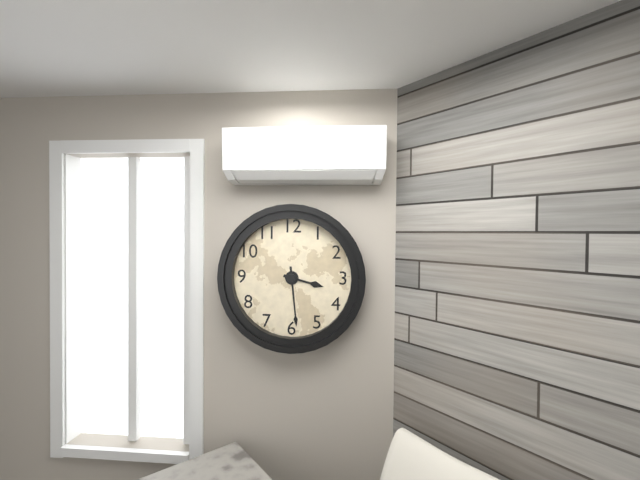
3:29
